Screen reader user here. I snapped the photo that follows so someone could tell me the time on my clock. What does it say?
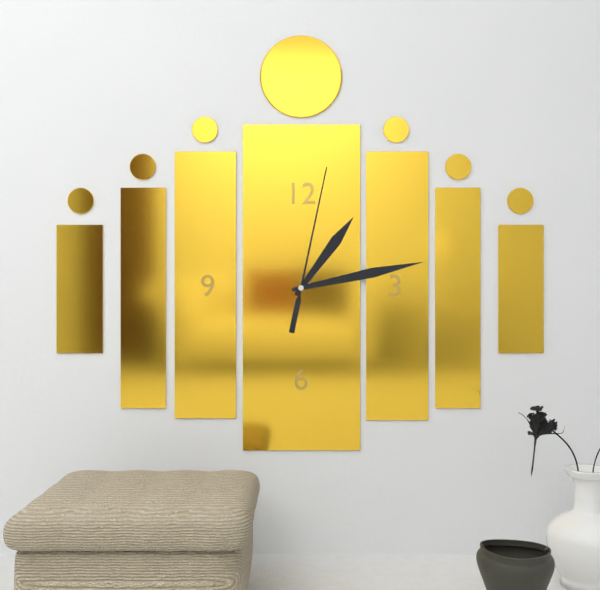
1:13:02
